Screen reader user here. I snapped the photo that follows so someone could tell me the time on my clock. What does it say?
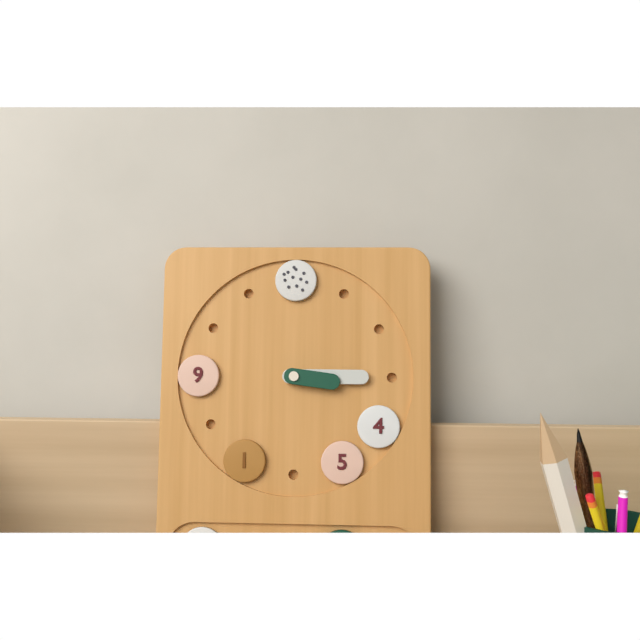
3:15
